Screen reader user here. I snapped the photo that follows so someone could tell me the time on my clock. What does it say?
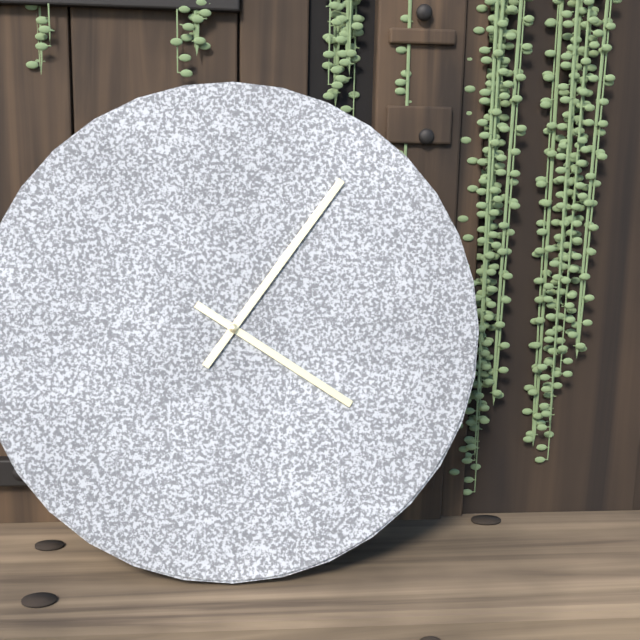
4:06
